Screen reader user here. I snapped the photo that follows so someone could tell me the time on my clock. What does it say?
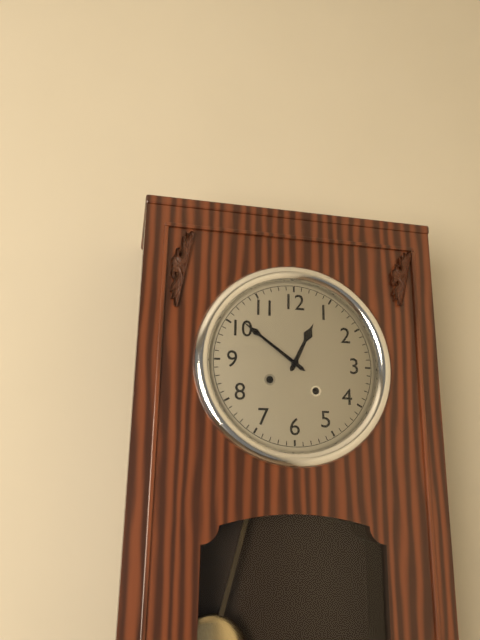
12:51
